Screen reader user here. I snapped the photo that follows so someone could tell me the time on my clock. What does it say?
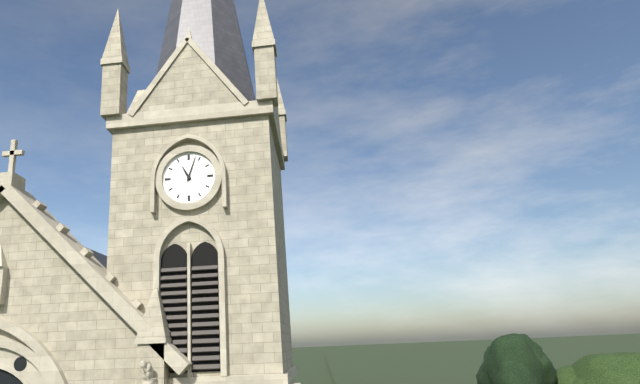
11:03
